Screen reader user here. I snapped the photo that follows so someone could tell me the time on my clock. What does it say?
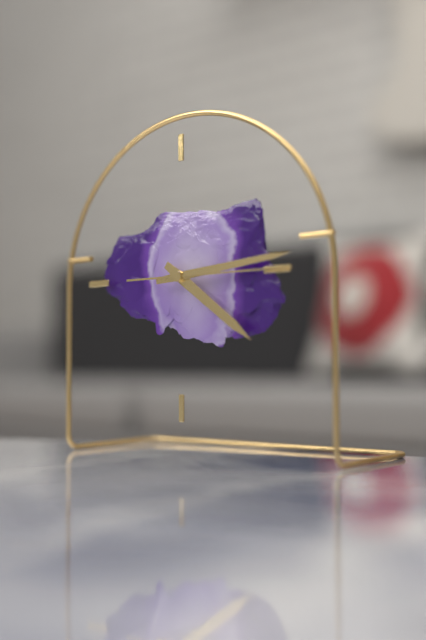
4:14:15
